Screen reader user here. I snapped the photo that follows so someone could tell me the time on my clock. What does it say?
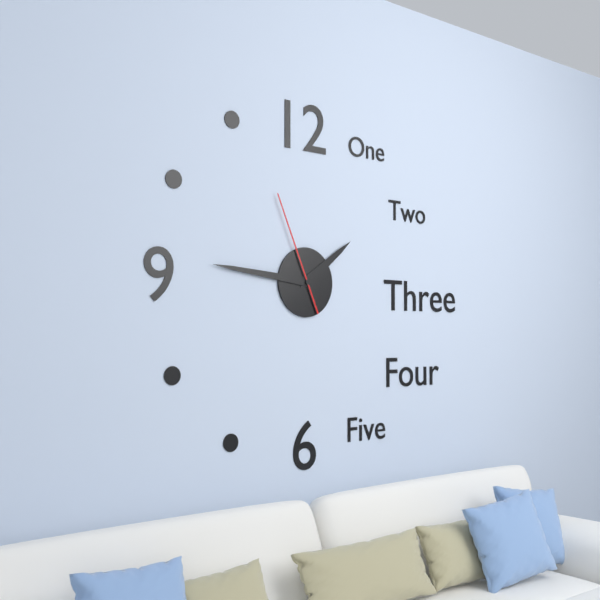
1:46:56
